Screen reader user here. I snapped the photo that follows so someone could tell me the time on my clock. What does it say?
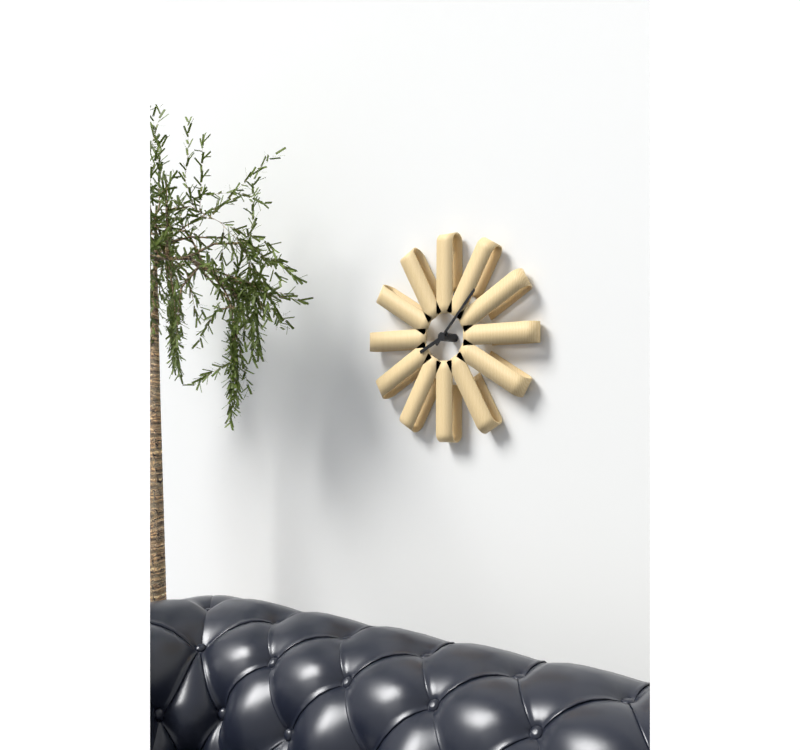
8:07
